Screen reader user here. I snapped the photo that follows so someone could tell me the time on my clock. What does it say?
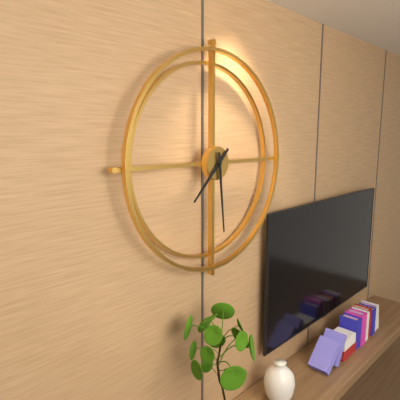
7:29
